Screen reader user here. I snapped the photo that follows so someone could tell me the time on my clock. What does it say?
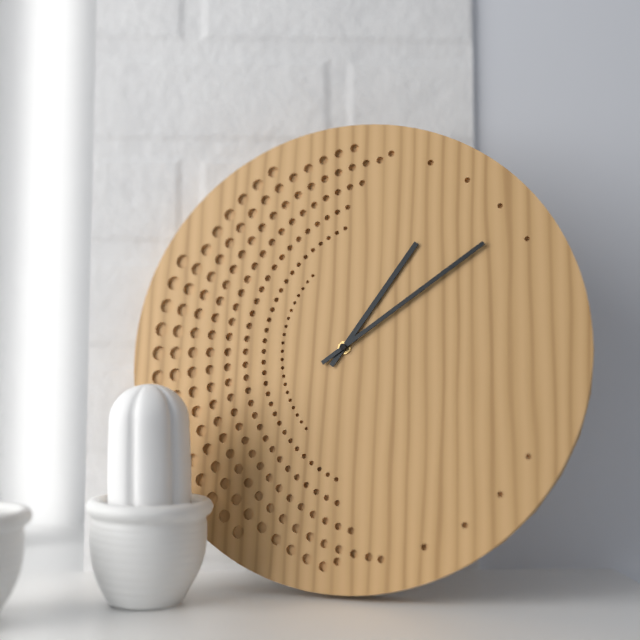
1:09
